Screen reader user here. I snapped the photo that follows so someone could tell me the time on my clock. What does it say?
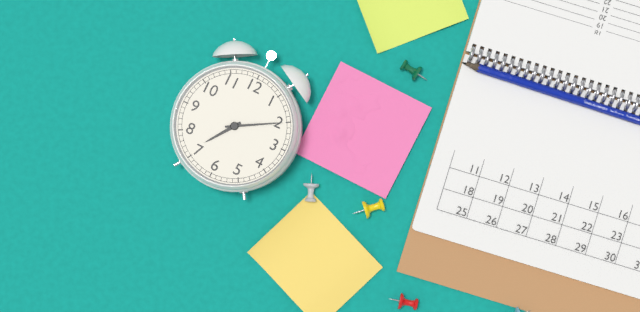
7:10
